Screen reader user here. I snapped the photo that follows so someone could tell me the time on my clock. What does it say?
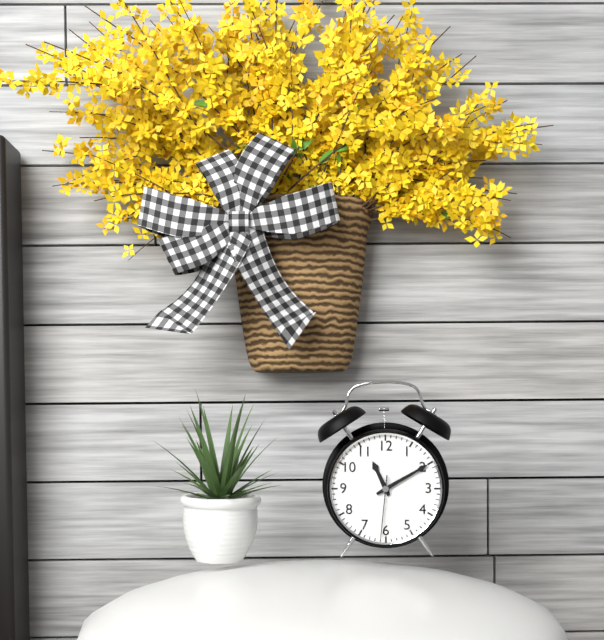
11:10:31
